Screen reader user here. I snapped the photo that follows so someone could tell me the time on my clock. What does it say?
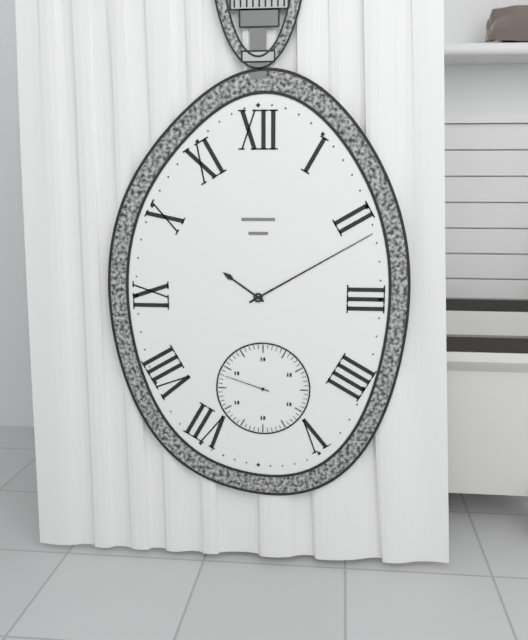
10:10
